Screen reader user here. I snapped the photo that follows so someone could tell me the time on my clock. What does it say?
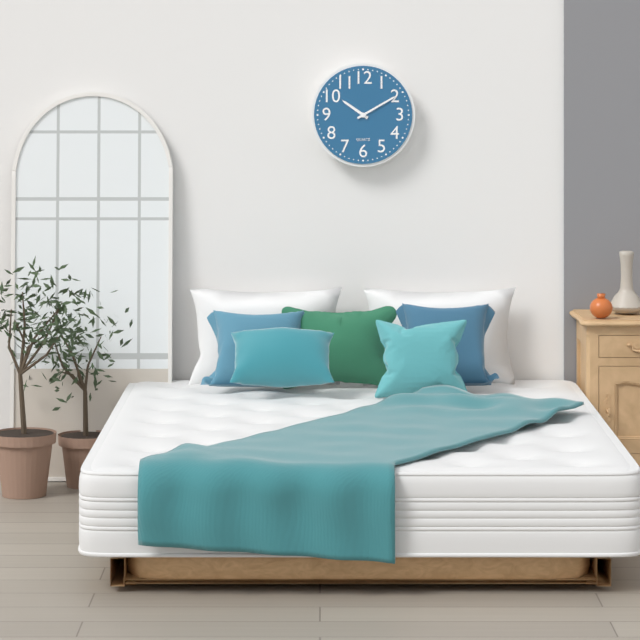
10:10
